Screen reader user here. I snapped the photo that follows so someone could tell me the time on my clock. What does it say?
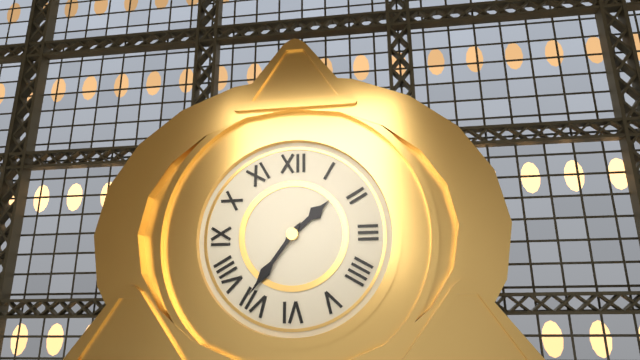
1:36
